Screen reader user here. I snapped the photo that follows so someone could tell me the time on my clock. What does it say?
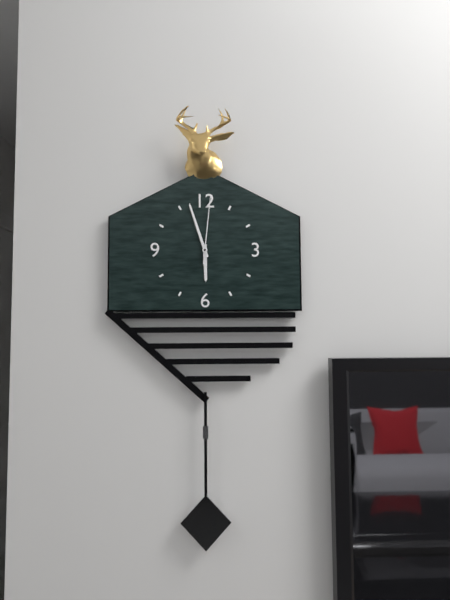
5:57:01
